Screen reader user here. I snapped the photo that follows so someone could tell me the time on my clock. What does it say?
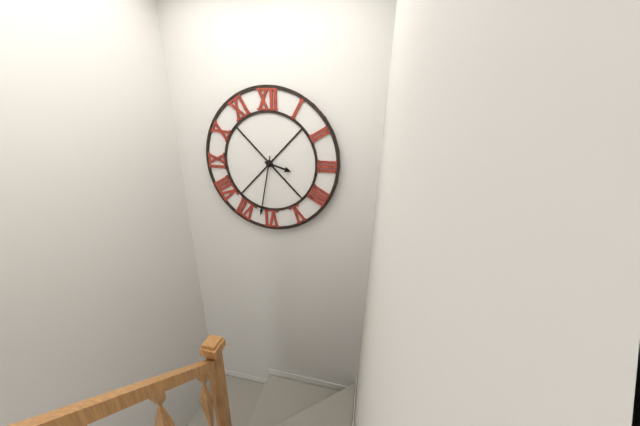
3:32
